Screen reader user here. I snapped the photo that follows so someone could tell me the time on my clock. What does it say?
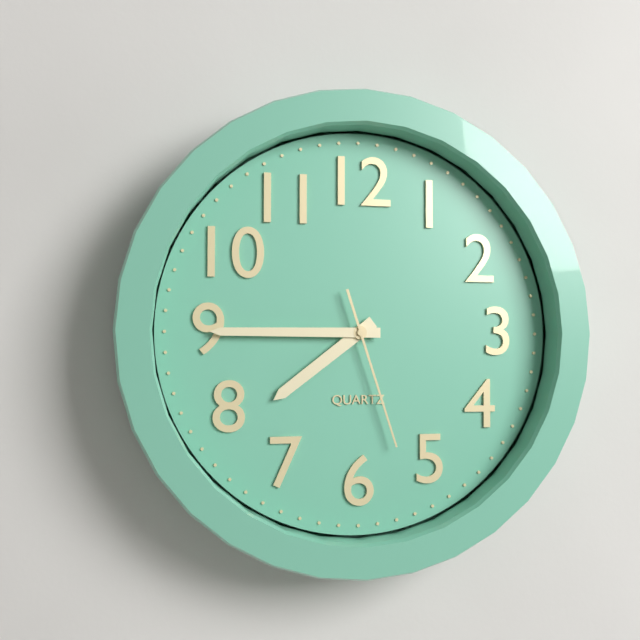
7:45:27
